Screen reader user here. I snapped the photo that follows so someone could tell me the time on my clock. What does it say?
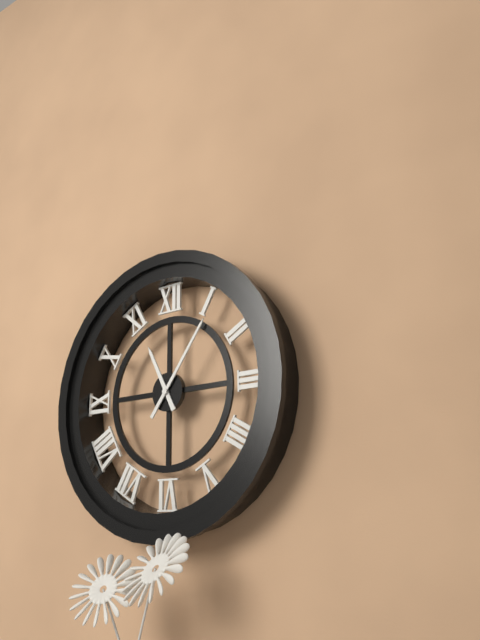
11:06
